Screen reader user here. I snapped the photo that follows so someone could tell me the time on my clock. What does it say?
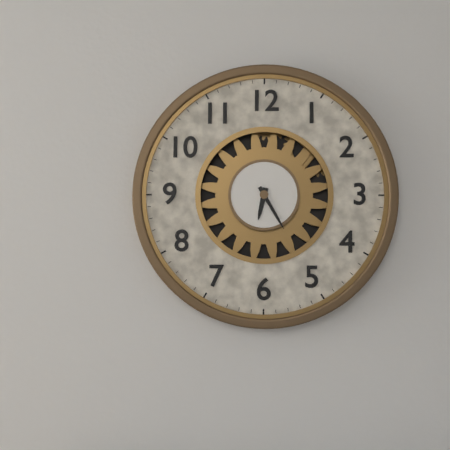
6:25
